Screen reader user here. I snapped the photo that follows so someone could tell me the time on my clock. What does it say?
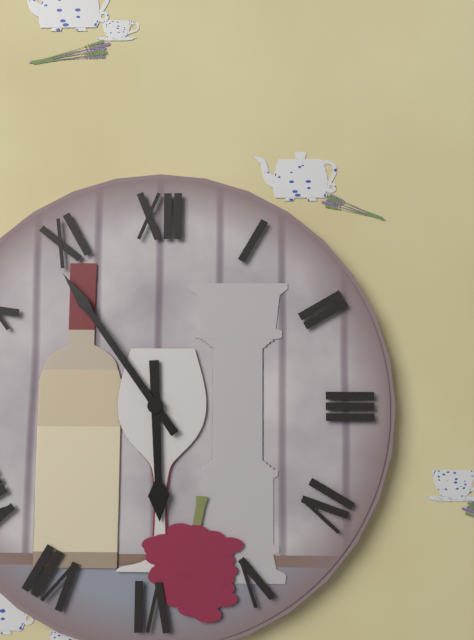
5:54
